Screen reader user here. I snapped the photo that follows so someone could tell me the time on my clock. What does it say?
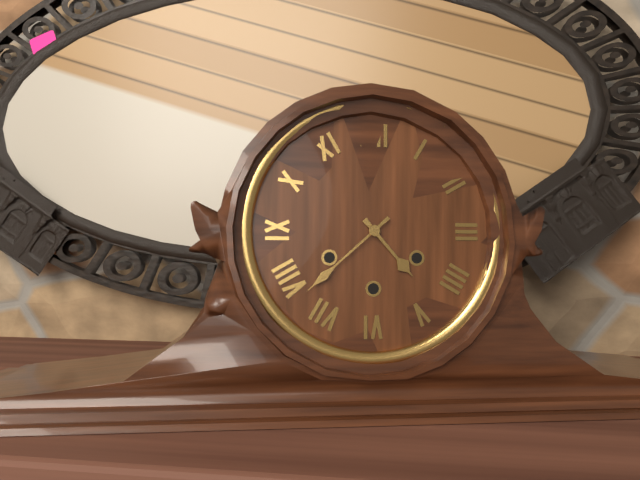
4:38
